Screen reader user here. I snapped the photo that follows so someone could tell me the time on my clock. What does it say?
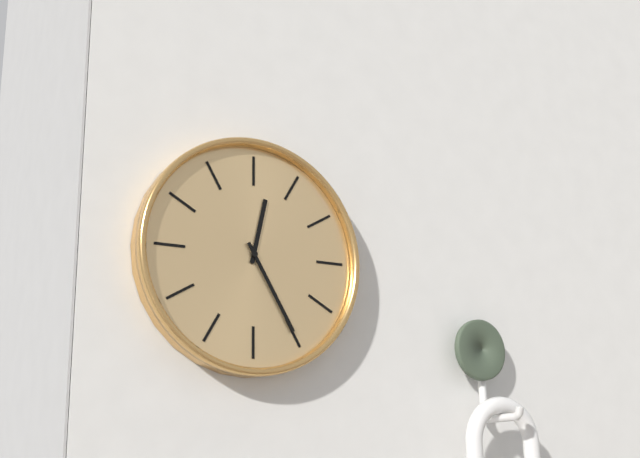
12:25
